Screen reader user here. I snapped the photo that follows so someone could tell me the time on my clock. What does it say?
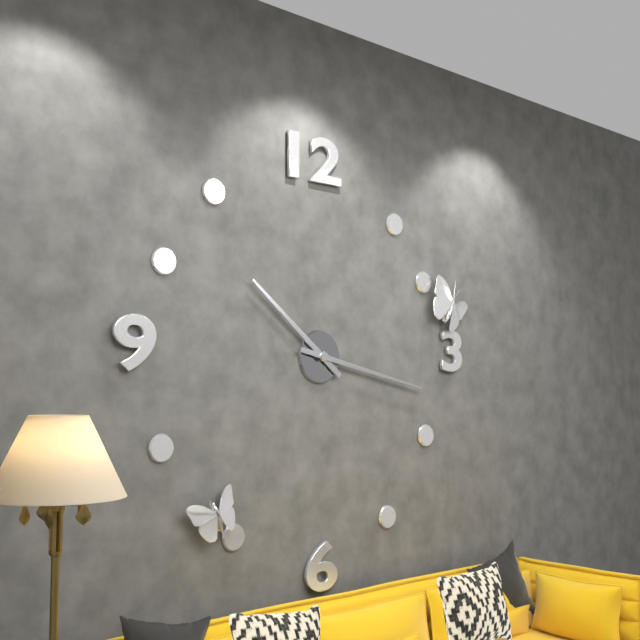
10:17
